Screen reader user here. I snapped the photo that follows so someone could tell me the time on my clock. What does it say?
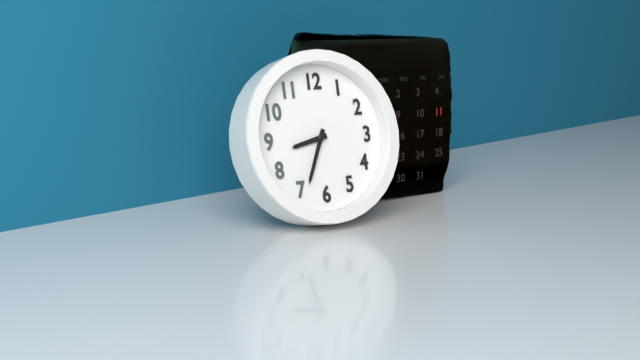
8:34
